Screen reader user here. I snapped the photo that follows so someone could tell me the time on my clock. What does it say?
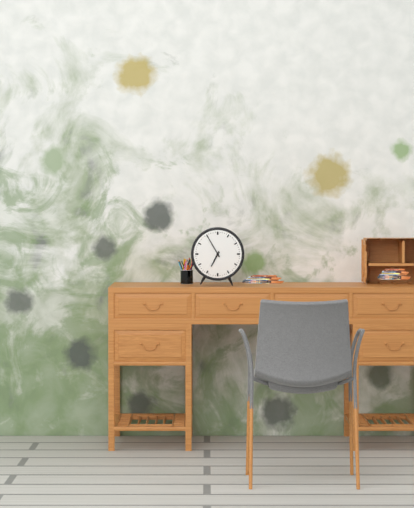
6:55
